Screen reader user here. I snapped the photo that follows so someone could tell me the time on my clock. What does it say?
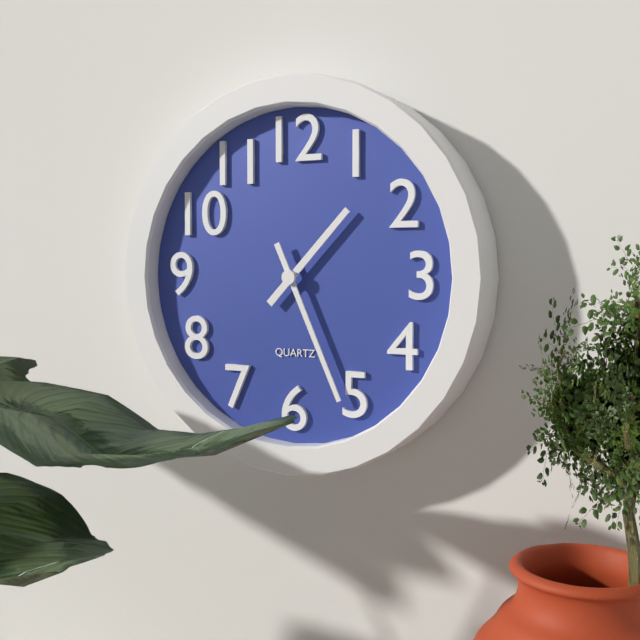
1:26
